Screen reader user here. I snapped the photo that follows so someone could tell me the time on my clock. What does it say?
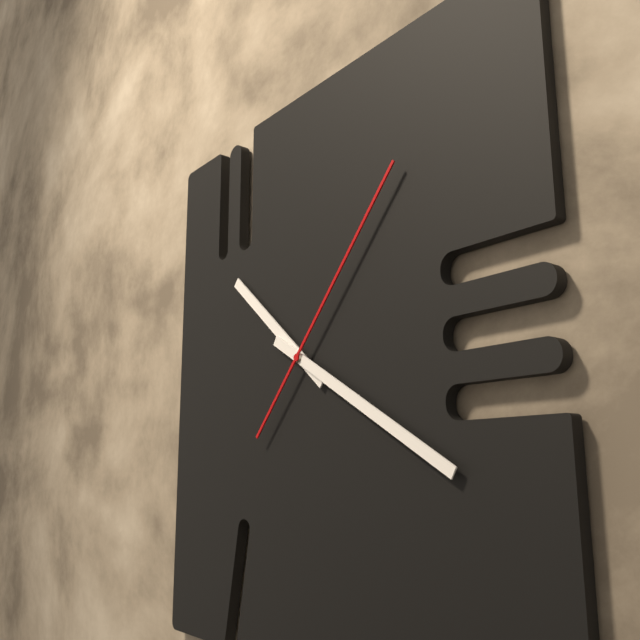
10:20:07
